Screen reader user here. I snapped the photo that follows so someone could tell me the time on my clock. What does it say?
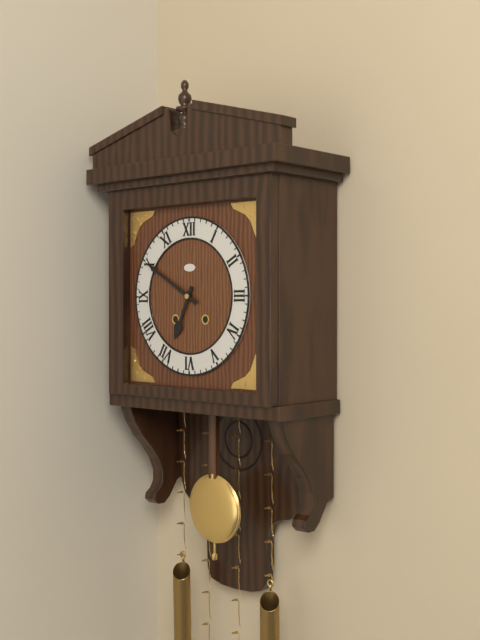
6:50
